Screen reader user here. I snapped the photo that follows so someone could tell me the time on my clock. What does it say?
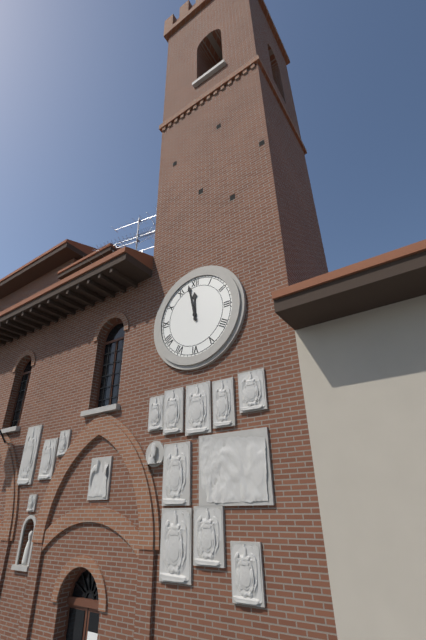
11:58
